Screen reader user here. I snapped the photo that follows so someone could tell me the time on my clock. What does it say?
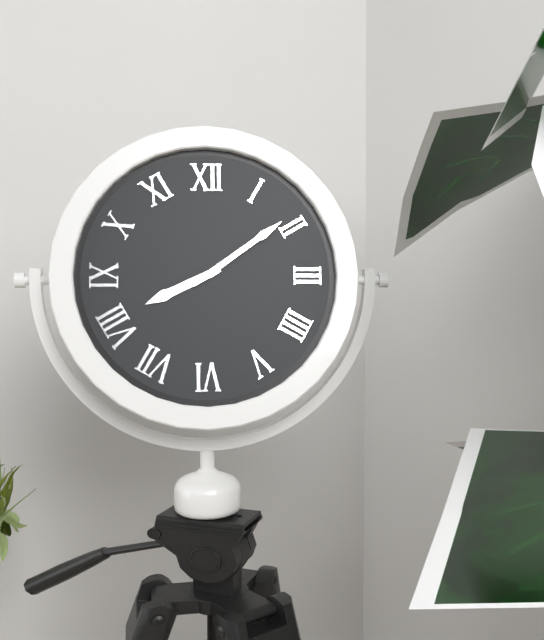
8:09
